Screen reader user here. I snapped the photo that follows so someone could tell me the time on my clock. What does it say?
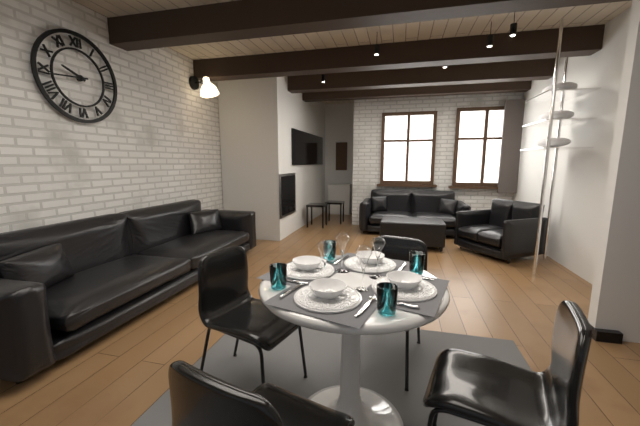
9:44
